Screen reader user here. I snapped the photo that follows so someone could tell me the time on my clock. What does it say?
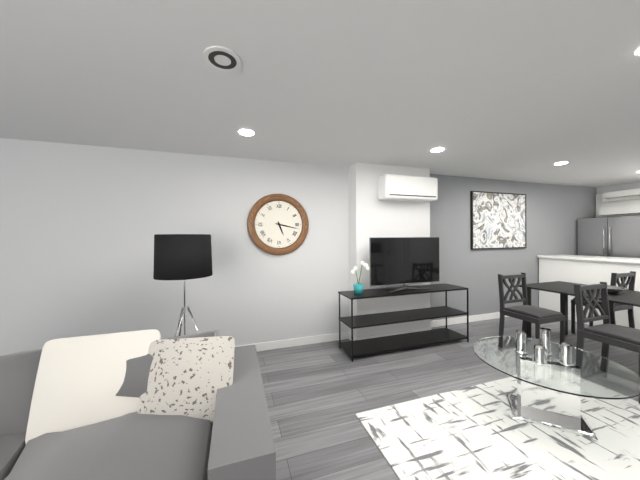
5:17
